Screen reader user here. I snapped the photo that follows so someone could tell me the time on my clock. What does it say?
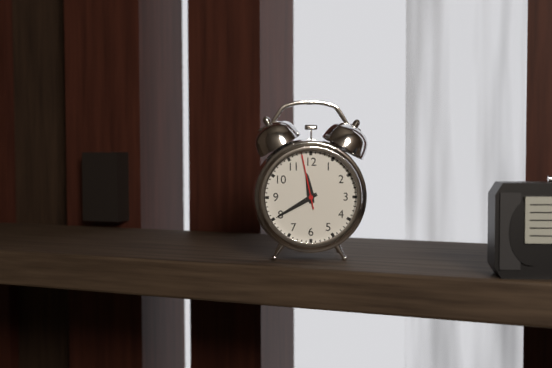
11:40:58
